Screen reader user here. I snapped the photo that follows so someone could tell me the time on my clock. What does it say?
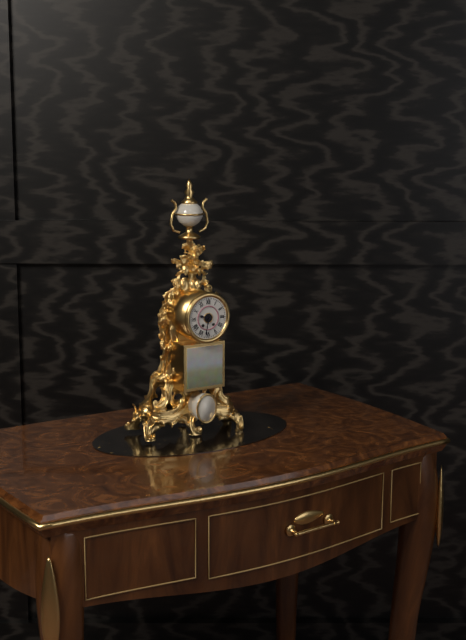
9:32
